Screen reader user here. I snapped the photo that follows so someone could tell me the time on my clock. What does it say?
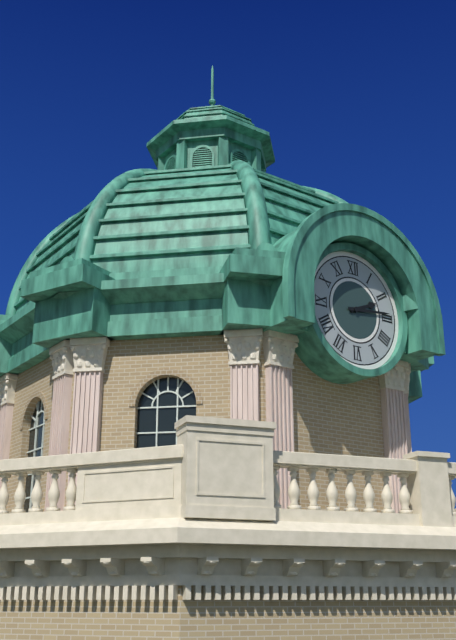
2:14
